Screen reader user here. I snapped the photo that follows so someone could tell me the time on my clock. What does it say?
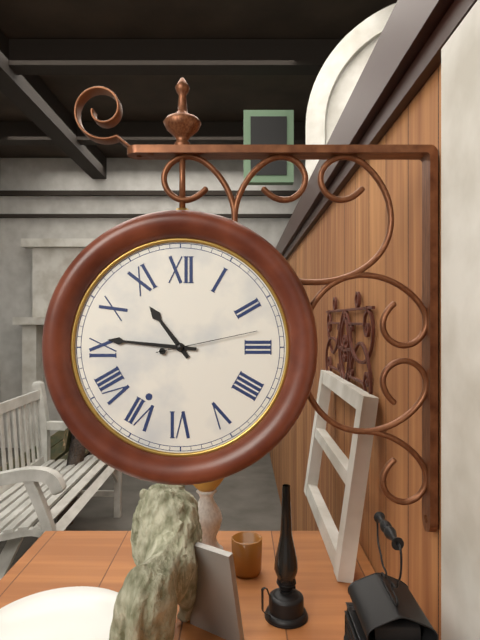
10:46:13
